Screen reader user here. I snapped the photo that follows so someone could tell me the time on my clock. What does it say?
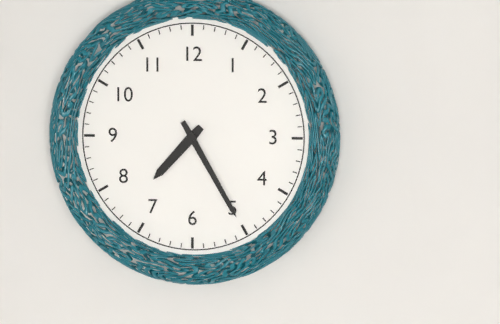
7:25
